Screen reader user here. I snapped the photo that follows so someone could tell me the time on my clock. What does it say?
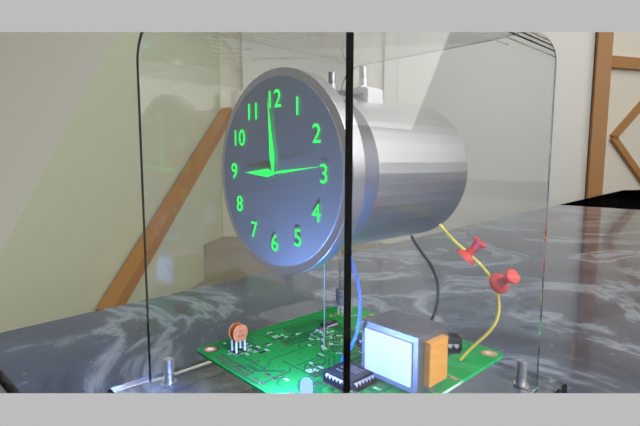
8:59:14
